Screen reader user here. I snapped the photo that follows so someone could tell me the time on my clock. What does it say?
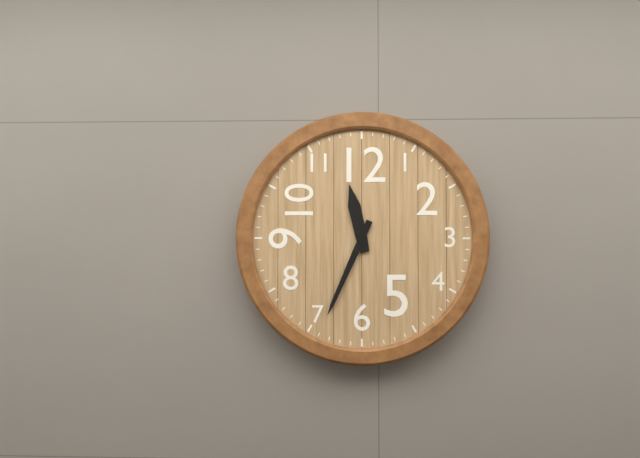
11:34
